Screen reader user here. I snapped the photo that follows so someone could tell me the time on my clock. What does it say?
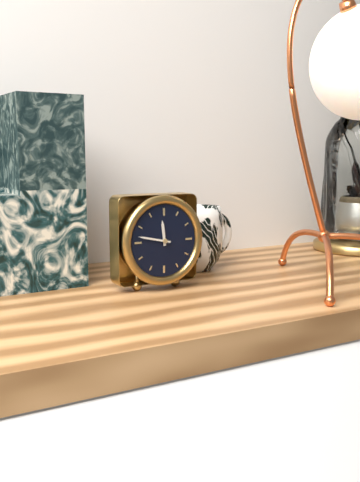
11:47
